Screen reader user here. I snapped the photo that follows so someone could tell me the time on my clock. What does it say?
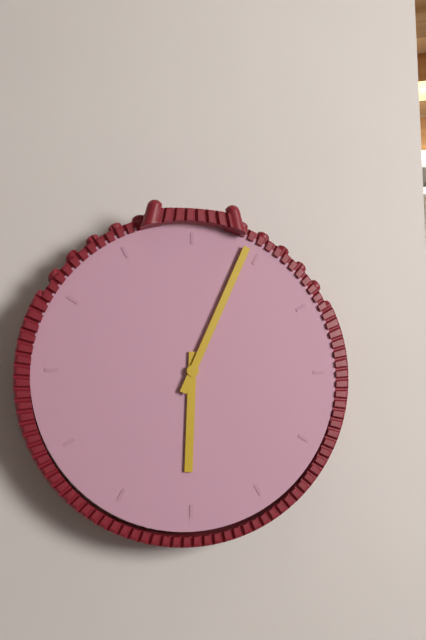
6:04
